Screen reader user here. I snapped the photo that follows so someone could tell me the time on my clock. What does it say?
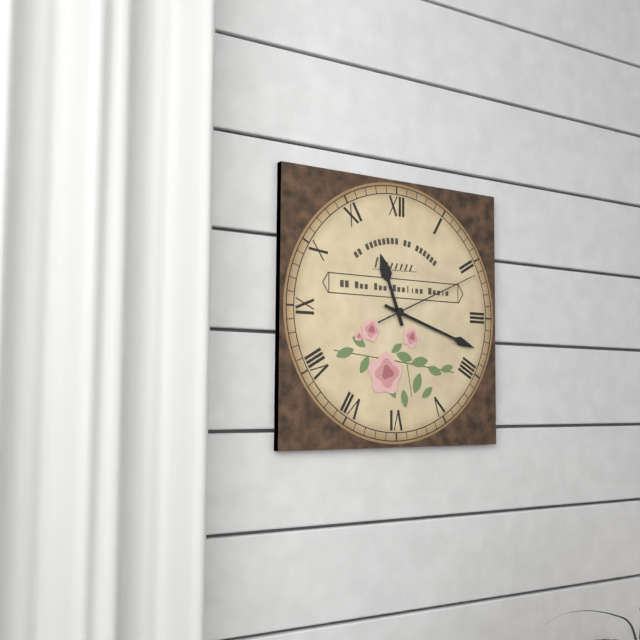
11:18:11
